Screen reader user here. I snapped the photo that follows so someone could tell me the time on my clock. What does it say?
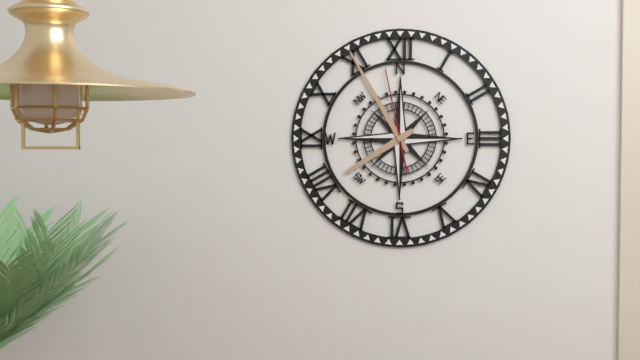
7:55:58
